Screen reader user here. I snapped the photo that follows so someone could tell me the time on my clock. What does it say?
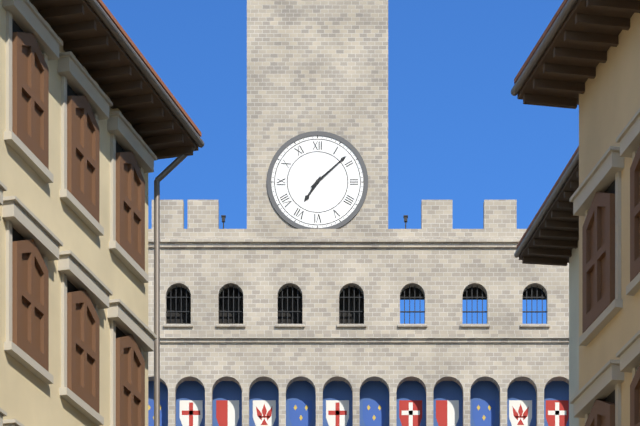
7:08
